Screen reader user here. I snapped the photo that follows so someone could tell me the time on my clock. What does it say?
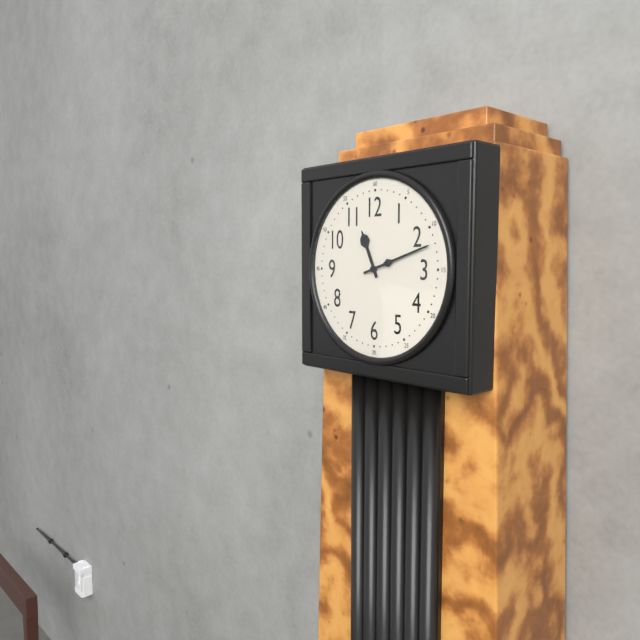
11:12
